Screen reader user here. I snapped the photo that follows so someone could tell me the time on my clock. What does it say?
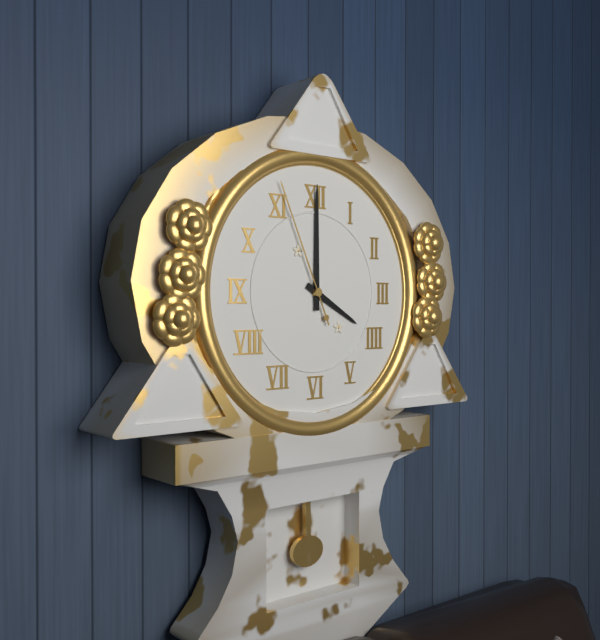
4:00:56
